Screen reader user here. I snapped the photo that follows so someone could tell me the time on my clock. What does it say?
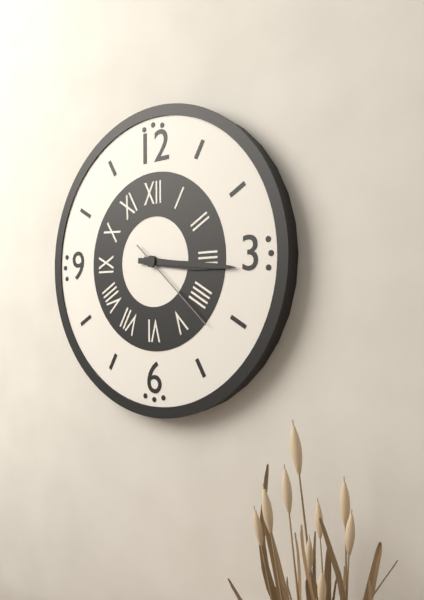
3:16:22
